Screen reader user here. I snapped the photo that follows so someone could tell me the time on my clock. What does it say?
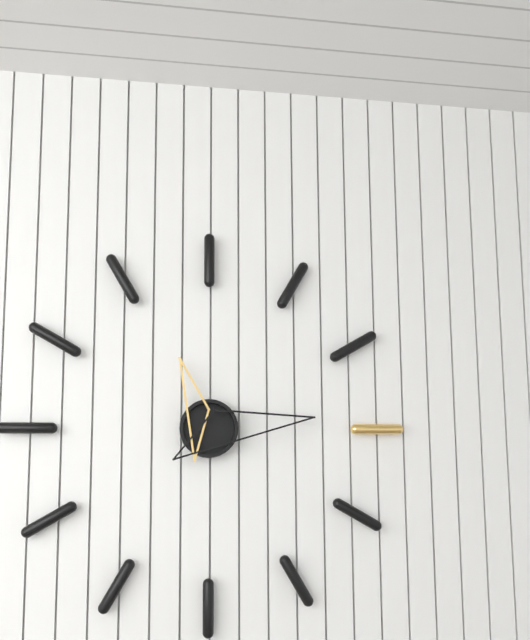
11:14
